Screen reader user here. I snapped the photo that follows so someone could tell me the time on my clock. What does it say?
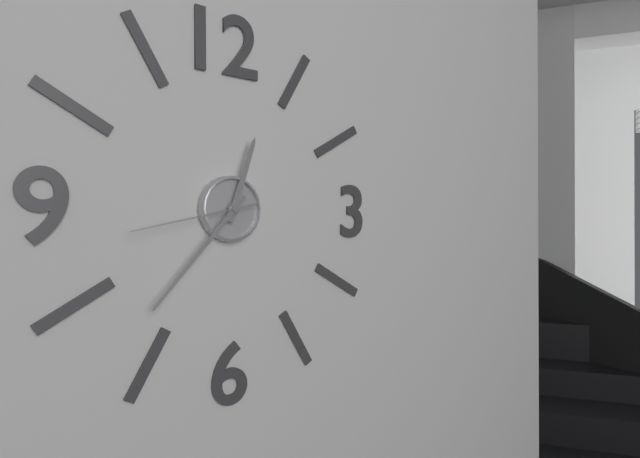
12:37:43
